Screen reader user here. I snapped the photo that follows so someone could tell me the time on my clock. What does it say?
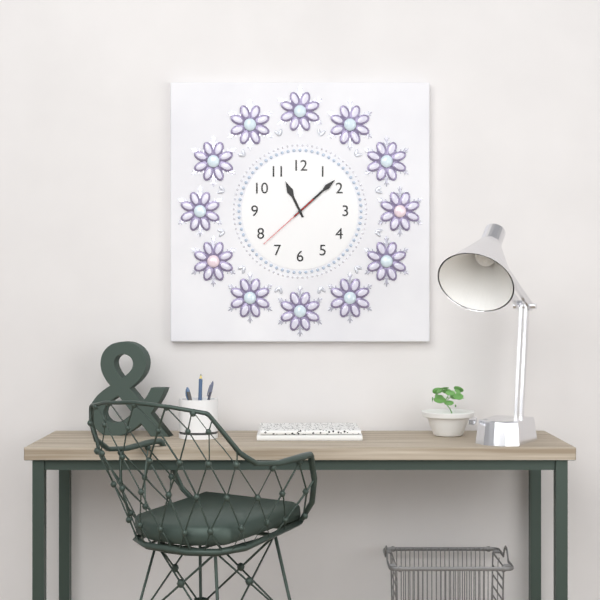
11:08:38
